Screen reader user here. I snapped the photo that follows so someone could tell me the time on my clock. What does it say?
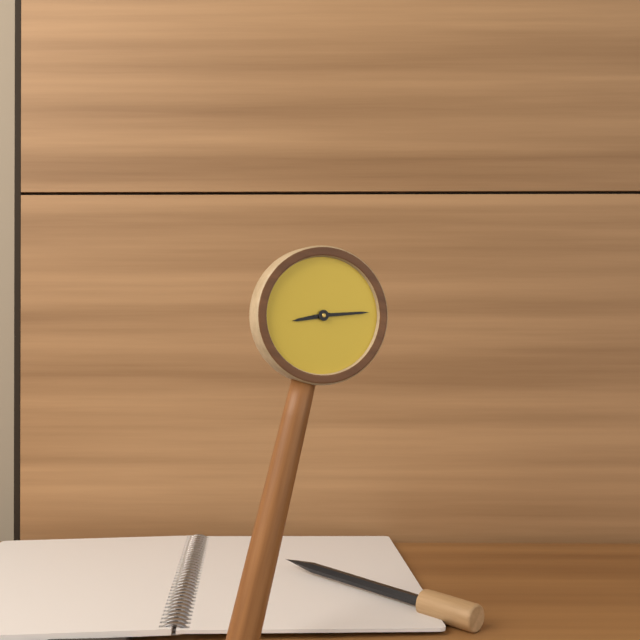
8:12
